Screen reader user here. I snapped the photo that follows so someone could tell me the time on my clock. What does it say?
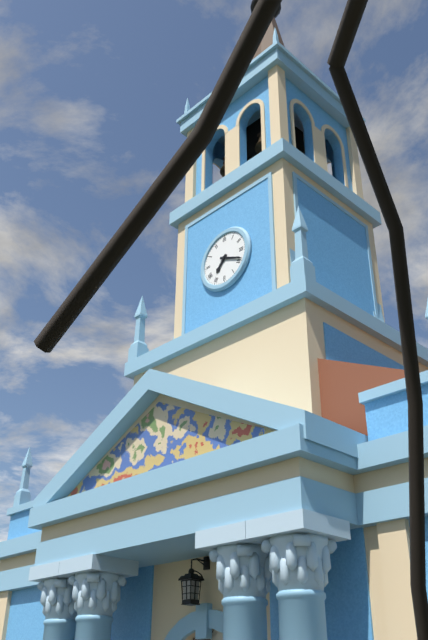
7:19
